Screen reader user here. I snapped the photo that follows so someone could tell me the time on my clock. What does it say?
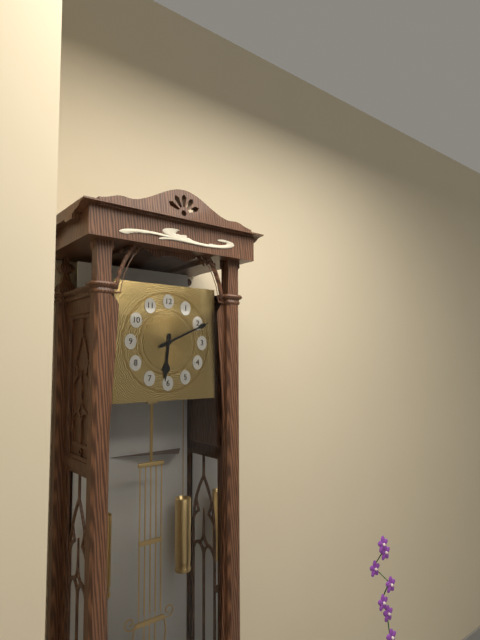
6:11
